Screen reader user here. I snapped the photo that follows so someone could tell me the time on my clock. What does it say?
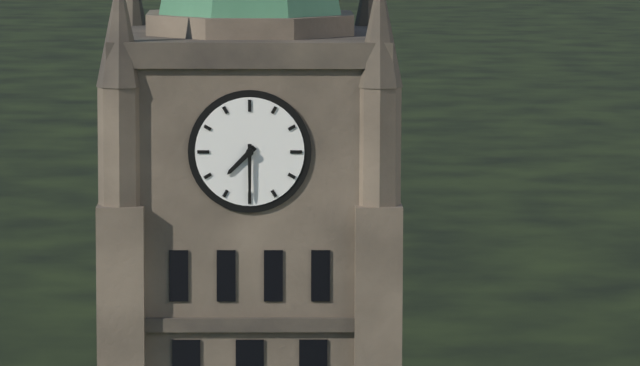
7:30
